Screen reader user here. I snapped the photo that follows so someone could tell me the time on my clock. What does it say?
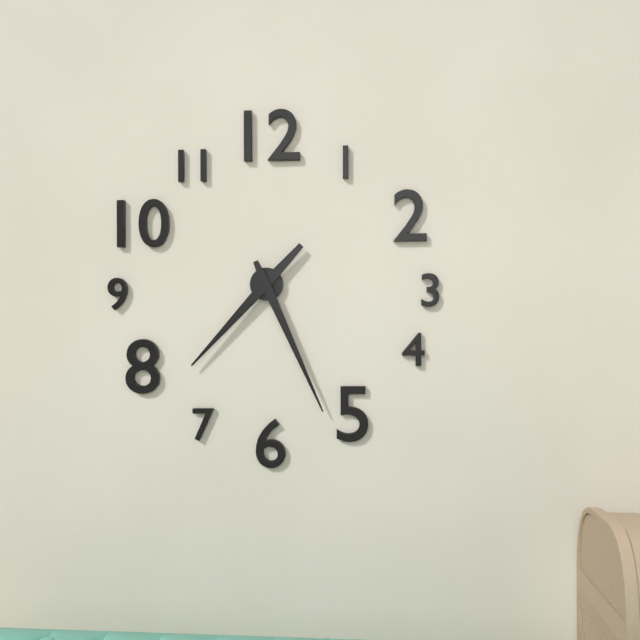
7:26
